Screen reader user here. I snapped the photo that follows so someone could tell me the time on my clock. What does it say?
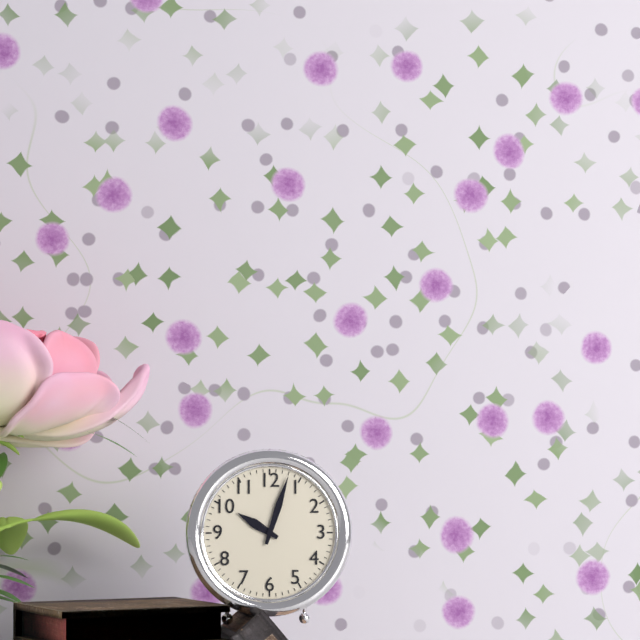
10:03
